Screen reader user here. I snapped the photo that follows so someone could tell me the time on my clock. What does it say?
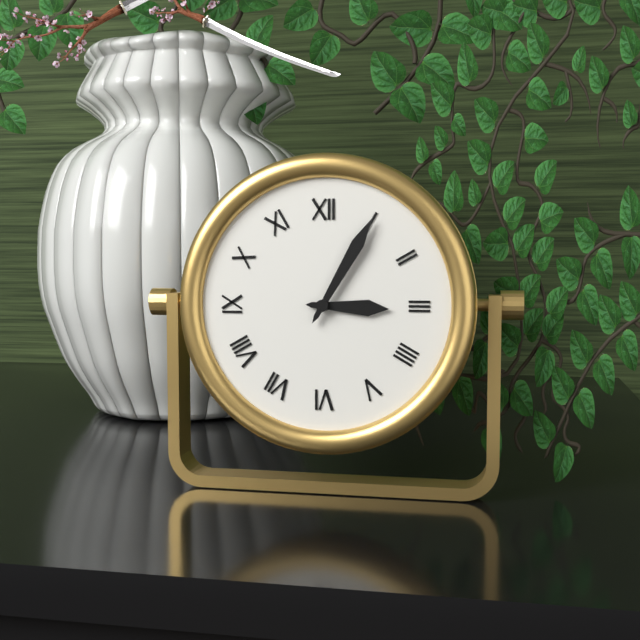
3:05
